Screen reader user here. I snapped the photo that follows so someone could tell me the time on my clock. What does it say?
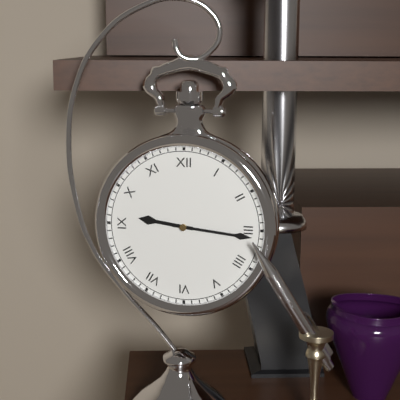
9:16
